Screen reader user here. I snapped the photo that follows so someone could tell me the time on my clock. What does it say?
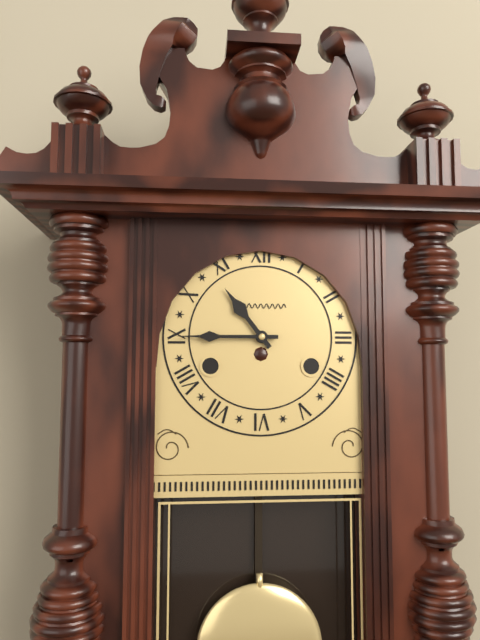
10:45
